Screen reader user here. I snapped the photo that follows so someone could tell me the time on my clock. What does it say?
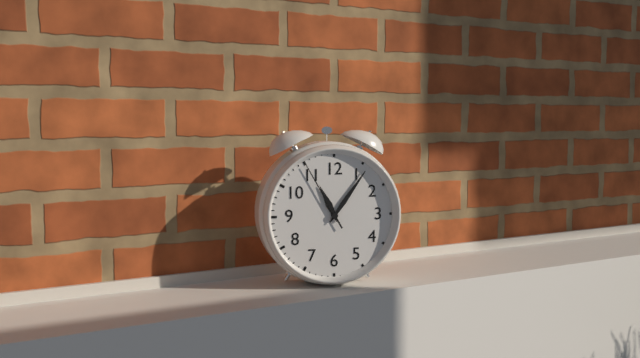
11:06:55
